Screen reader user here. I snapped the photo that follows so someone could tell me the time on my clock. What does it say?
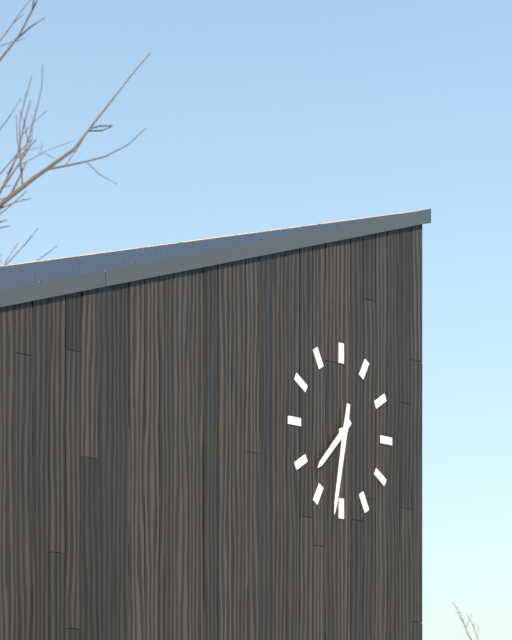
7:32
